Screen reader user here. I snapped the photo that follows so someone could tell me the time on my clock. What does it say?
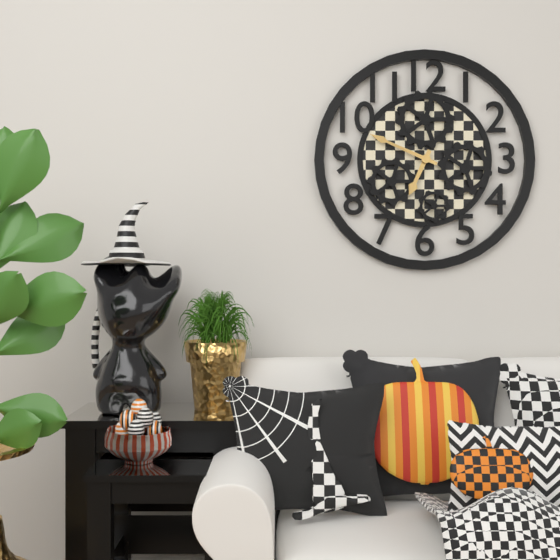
6:49
